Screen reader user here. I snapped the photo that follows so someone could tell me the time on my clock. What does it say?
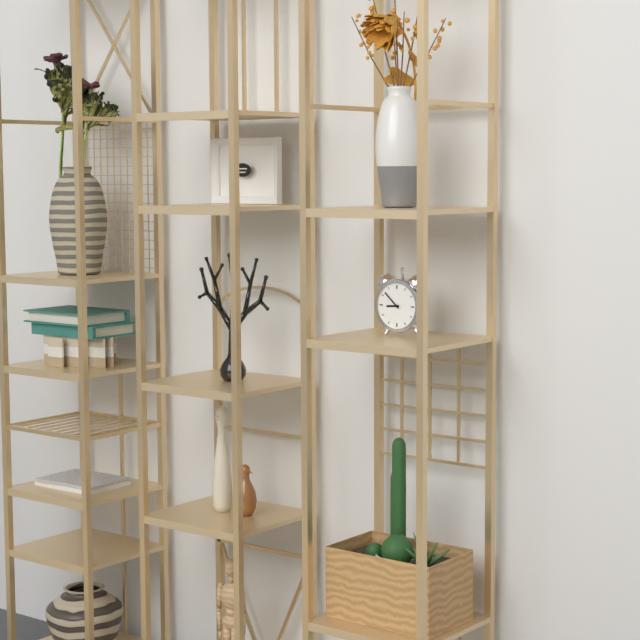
8:52
